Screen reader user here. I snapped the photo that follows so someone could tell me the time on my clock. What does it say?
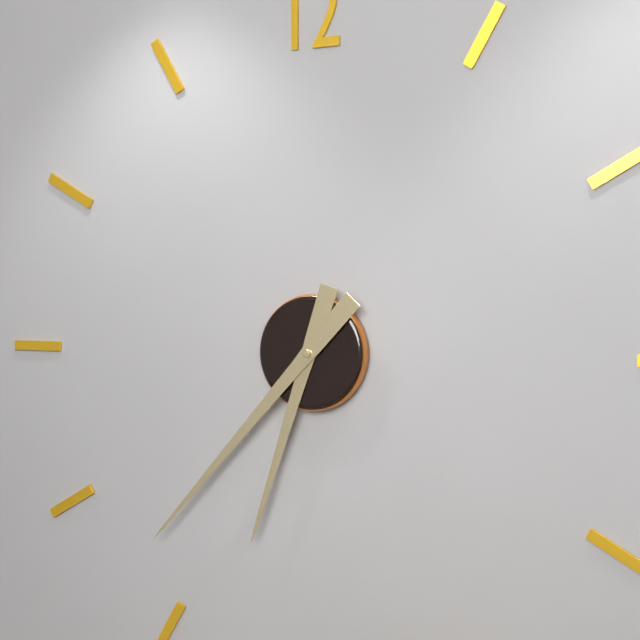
6:37
